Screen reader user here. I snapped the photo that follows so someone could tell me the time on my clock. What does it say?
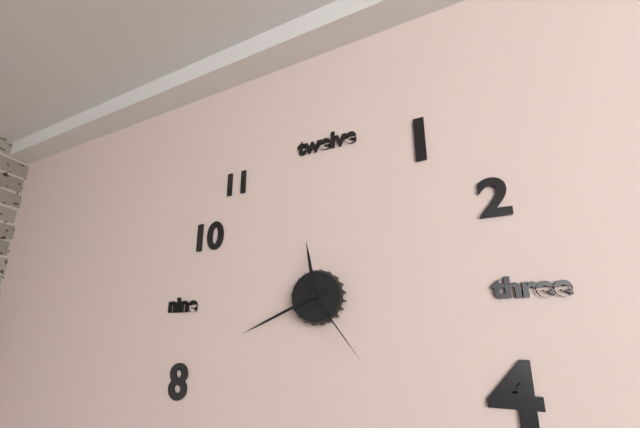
11:41:24
